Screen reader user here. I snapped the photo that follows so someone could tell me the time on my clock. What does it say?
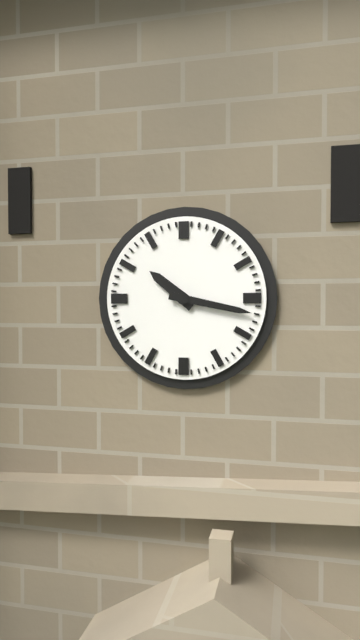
10:17
